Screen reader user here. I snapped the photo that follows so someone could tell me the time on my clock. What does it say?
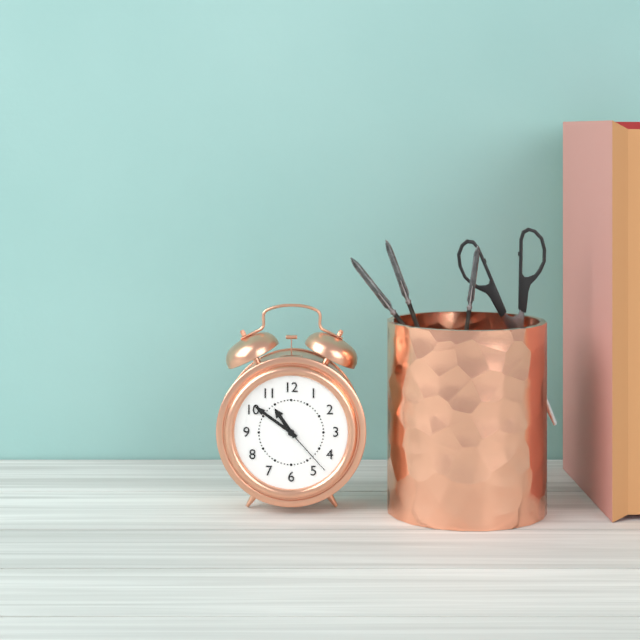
10:51:23
